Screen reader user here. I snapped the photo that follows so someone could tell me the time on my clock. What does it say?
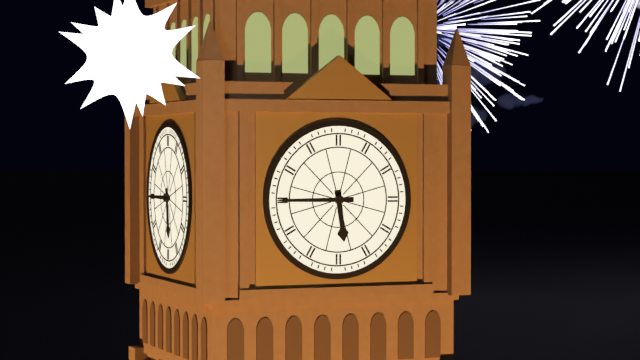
5:45
